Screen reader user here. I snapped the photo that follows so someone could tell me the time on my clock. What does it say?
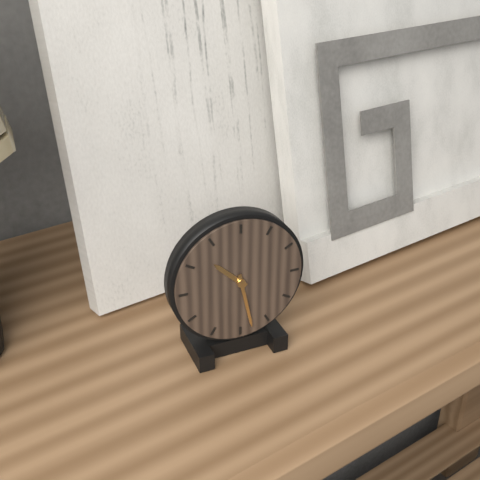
10:28
